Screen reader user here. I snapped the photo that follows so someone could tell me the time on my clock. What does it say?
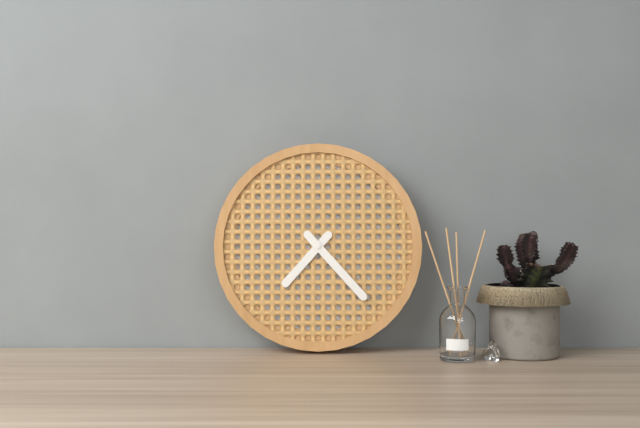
7:23
